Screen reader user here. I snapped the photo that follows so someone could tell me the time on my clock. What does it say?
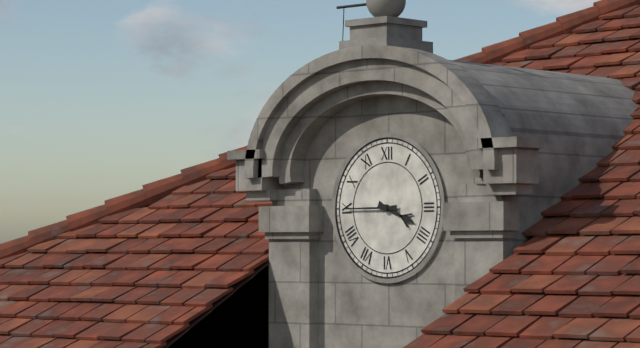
3:45
